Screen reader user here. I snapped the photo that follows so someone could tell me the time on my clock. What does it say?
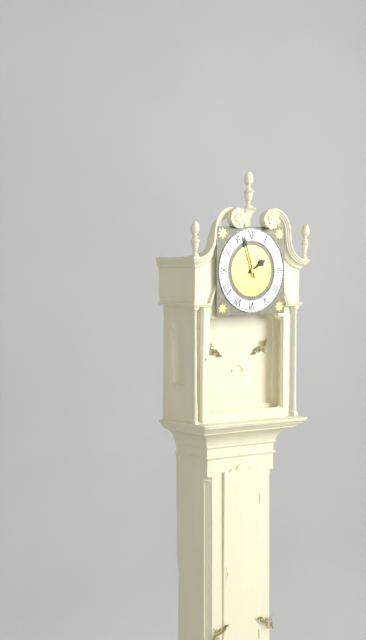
1:57
